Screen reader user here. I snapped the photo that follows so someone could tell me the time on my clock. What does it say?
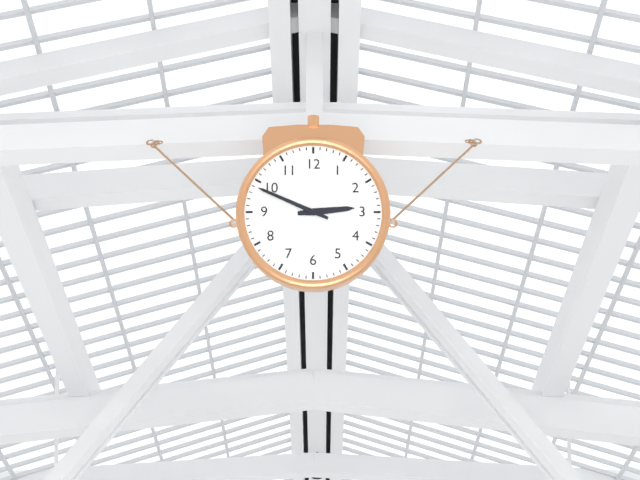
2:49
